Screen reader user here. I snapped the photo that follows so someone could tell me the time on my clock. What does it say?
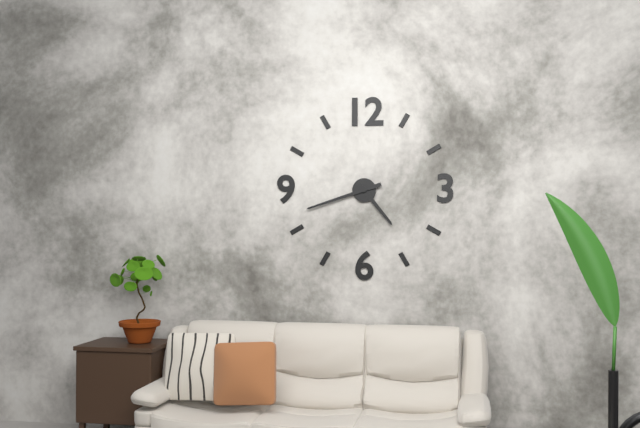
4:42
